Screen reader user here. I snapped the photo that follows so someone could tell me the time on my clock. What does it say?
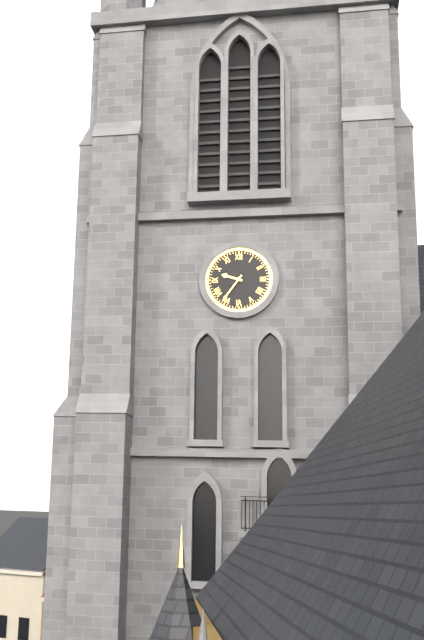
9:36
